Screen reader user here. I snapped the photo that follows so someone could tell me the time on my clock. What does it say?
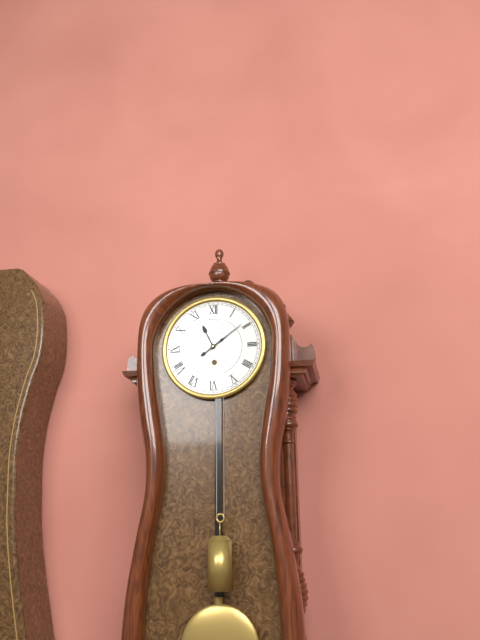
11:09
